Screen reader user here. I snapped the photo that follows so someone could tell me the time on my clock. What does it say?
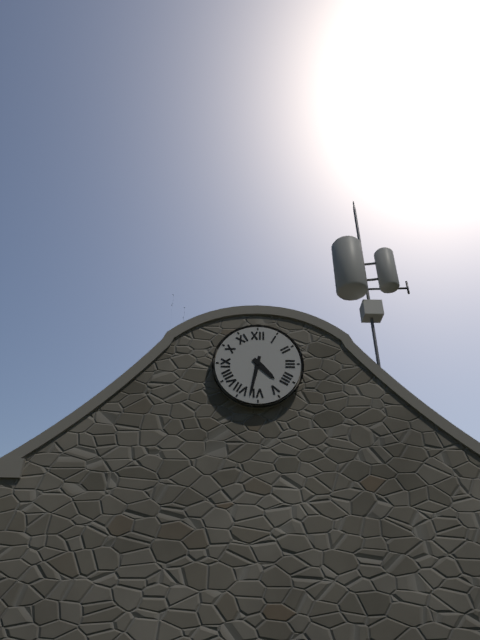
4:32
